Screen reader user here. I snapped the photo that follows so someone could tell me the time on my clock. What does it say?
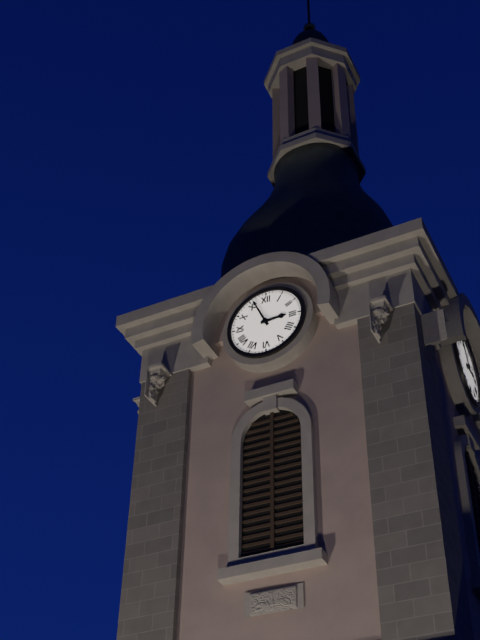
2:56
